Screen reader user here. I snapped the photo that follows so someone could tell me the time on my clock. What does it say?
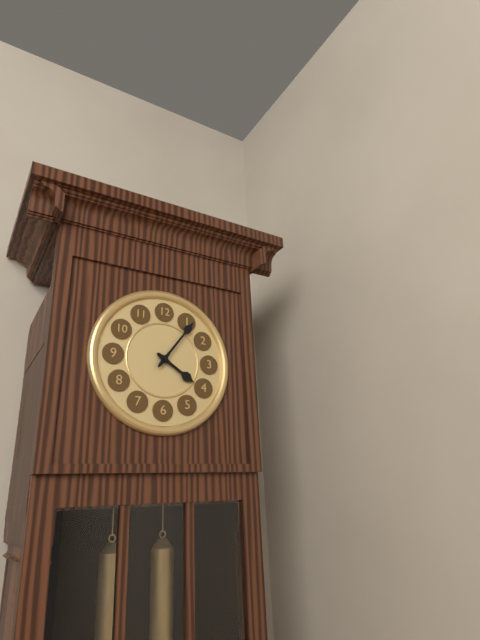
4:06
